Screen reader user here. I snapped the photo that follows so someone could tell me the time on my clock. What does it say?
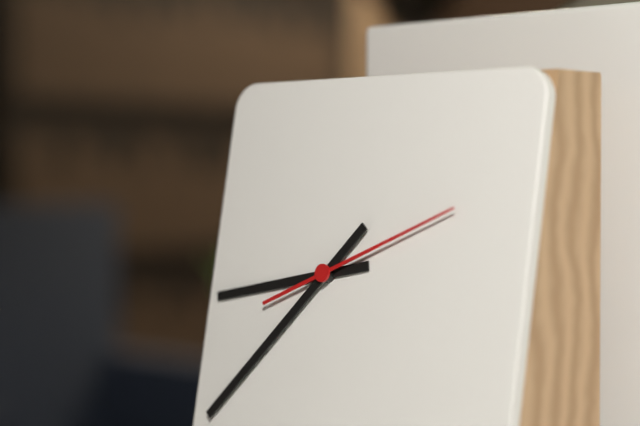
8:37:11
